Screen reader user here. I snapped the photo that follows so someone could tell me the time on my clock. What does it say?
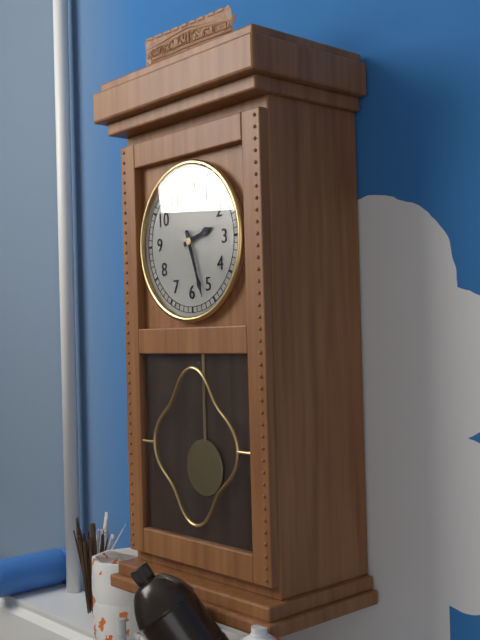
2:27
